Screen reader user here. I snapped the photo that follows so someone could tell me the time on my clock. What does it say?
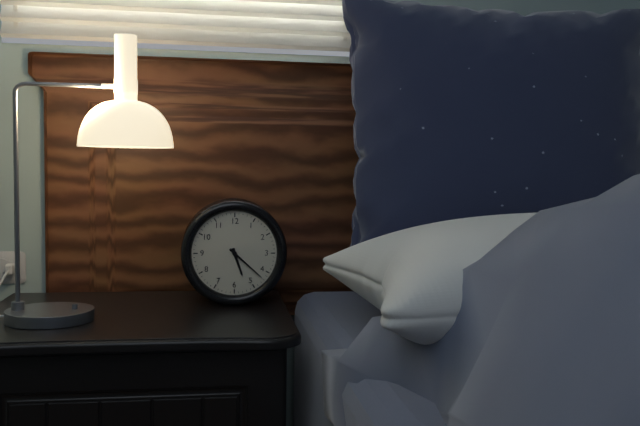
5:22
